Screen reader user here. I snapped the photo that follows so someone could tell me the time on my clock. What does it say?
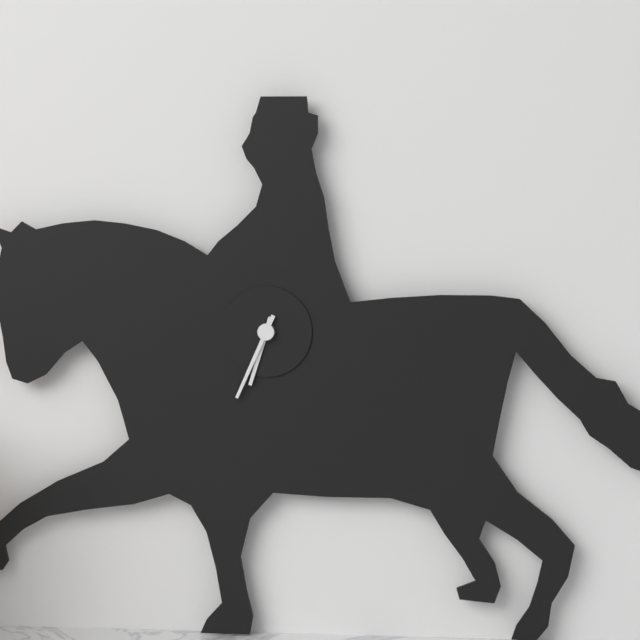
6:34
